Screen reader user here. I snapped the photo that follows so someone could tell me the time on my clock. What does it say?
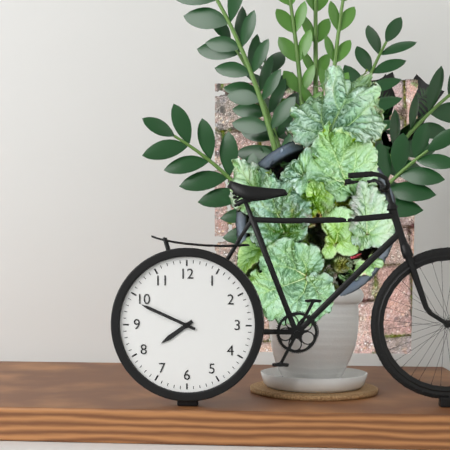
7:49
